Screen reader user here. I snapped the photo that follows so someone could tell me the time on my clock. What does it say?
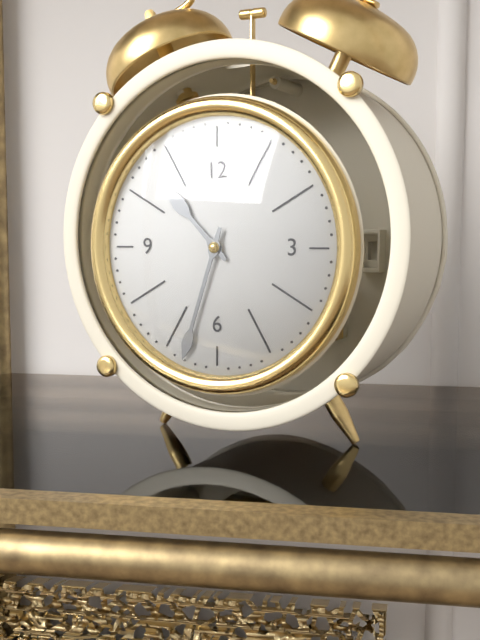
10:33
